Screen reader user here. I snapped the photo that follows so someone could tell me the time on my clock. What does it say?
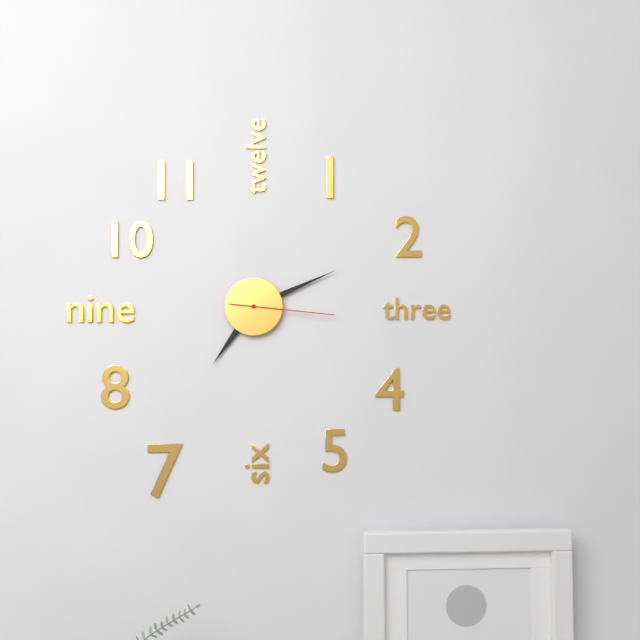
7:11:16
